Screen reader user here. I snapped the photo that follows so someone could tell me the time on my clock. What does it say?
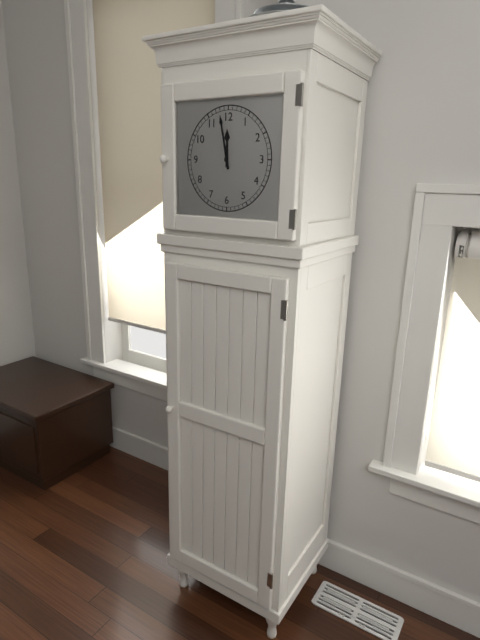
11:58
